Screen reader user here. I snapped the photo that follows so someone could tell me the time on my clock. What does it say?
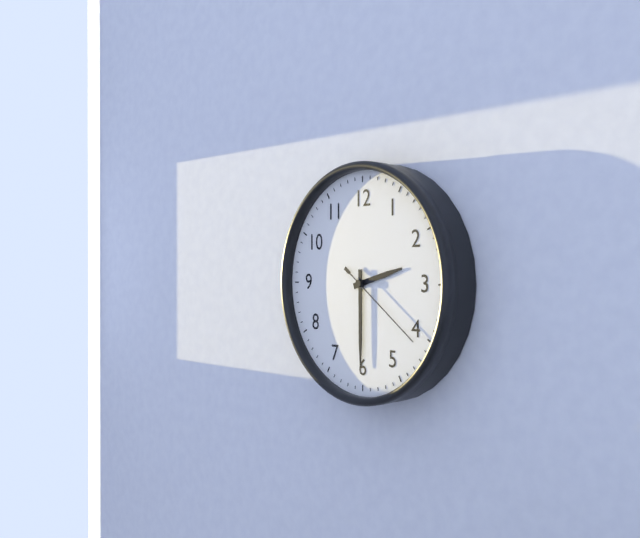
2:30:21
